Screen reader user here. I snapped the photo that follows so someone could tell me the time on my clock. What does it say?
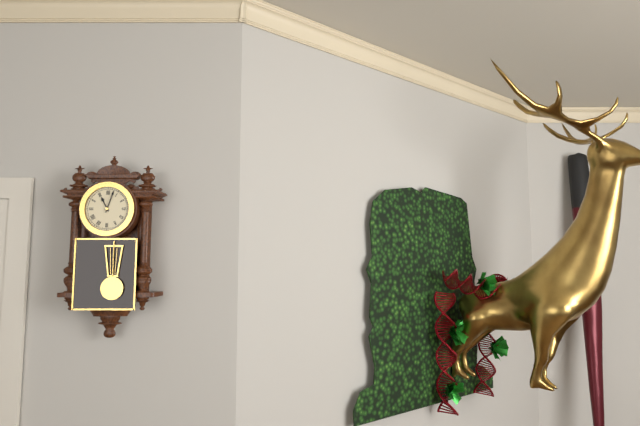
11:03
